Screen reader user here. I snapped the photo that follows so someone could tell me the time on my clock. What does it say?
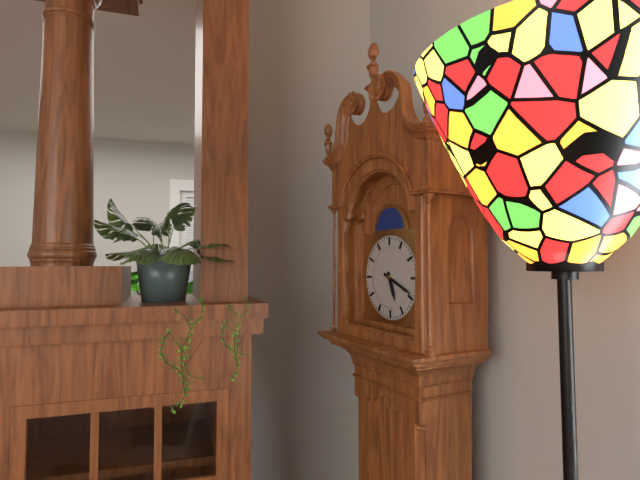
5:19
